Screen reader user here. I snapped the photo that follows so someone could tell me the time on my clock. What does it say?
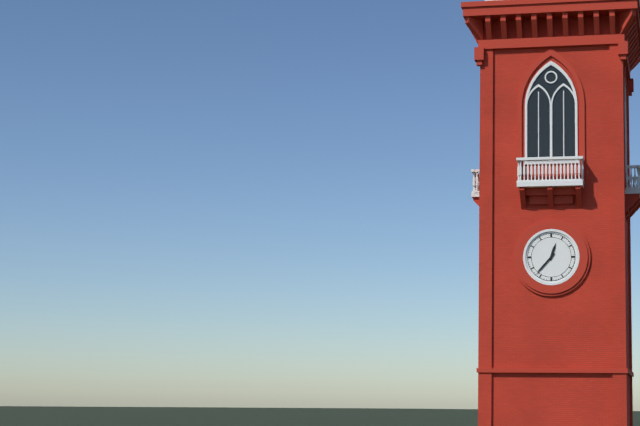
12:37
